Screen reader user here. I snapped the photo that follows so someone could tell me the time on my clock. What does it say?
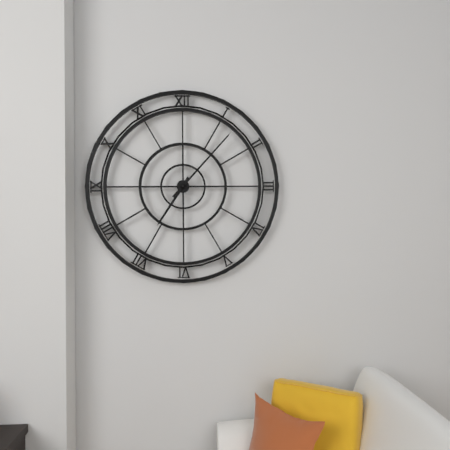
7:07
